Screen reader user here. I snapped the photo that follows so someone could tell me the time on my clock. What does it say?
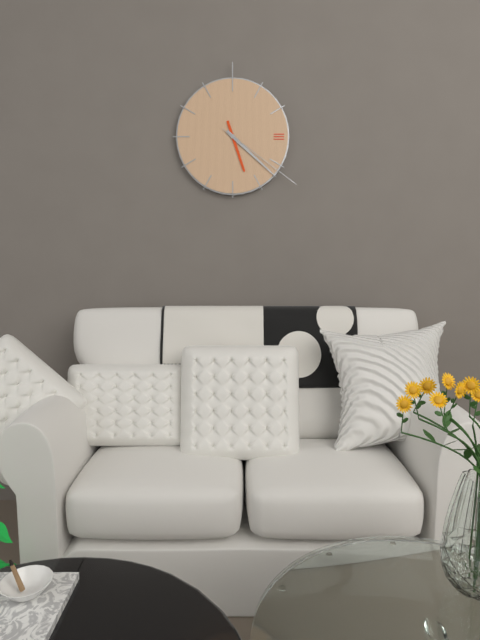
5:22:21
